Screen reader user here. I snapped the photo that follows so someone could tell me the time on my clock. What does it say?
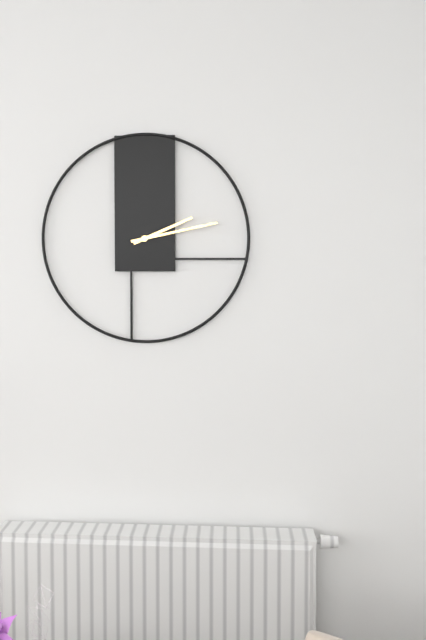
2:13
